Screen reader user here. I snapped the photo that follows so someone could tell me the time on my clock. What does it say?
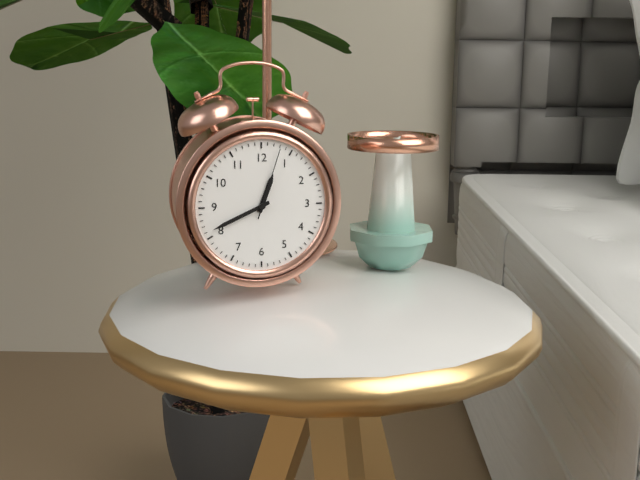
12:41:03
